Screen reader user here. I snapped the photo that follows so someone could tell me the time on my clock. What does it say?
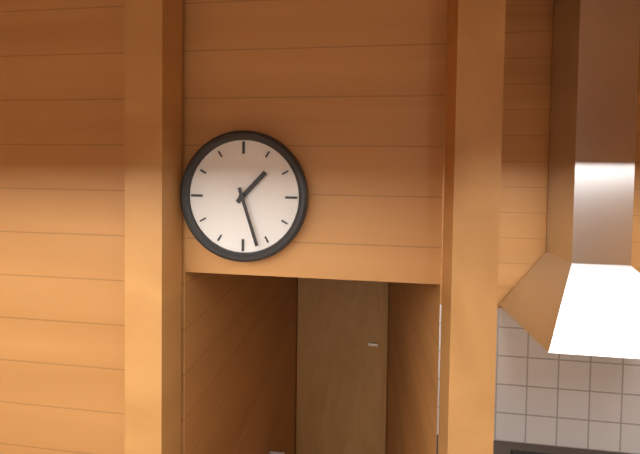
1:27
